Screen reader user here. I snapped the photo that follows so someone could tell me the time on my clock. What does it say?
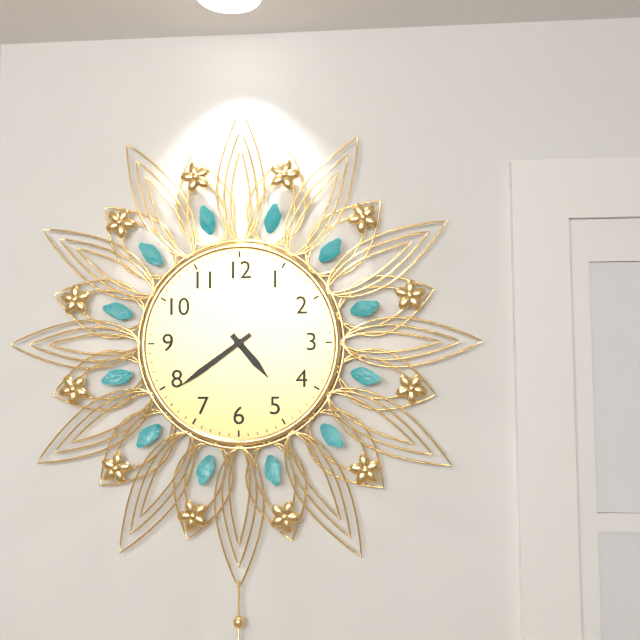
4:39
